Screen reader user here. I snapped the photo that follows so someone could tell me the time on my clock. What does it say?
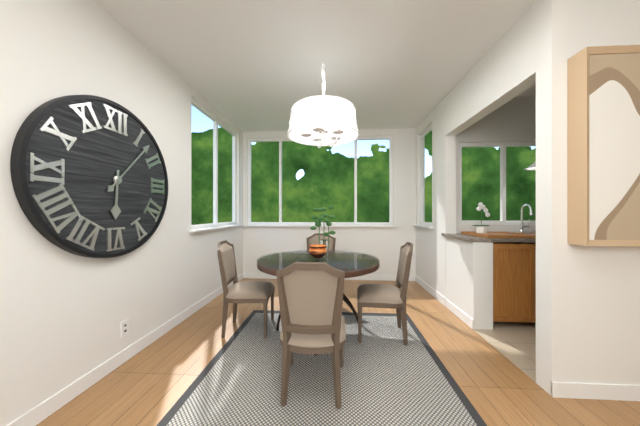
6:07
